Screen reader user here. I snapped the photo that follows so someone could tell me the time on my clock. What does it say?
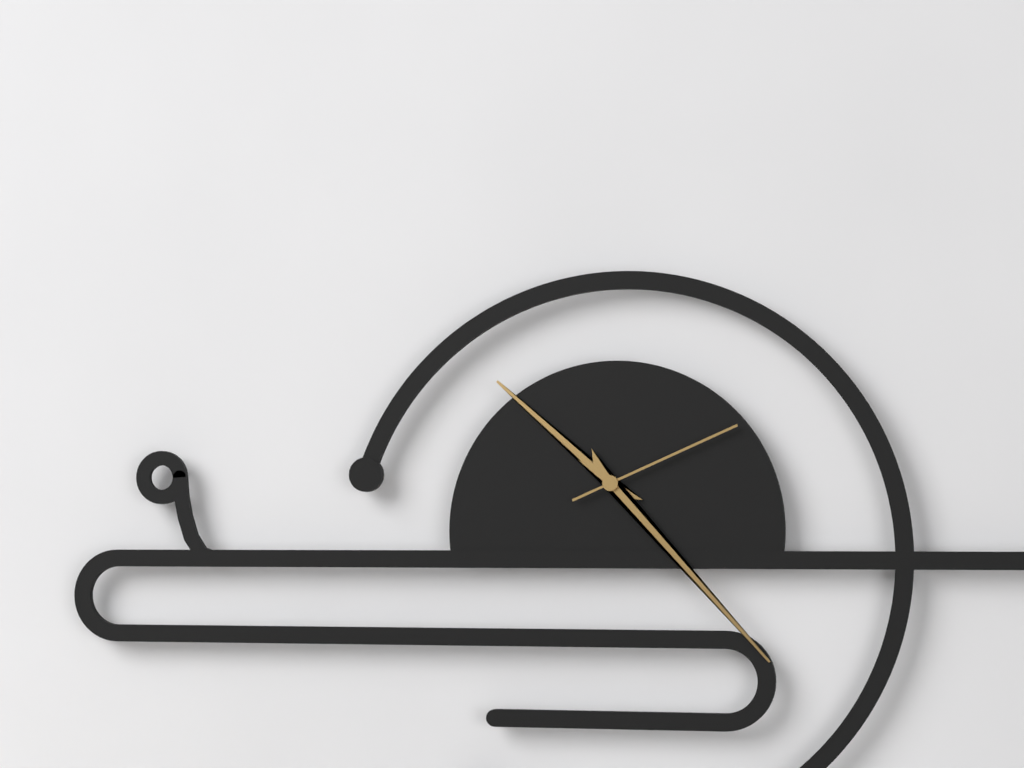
10:23:11
